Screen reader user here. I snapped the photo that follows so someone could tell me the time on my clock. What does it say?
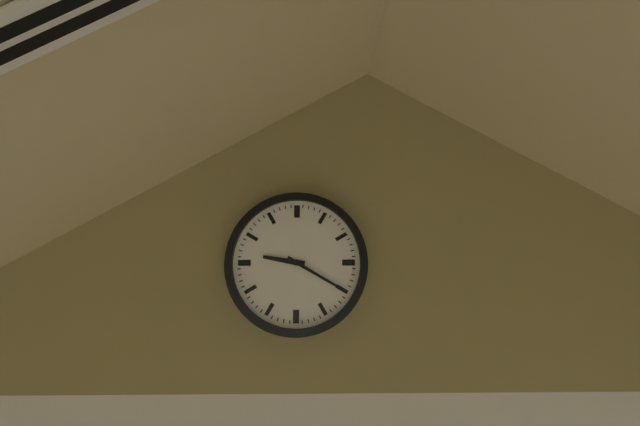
9:20
